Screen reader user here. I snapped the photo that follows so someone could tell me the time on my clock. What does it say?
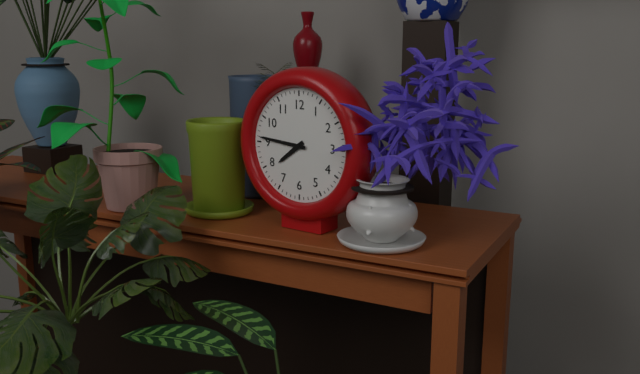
7:46
